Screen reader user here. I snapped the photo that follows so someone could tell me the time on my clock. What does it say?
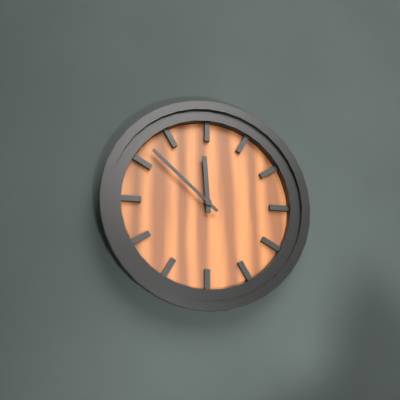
11:52
